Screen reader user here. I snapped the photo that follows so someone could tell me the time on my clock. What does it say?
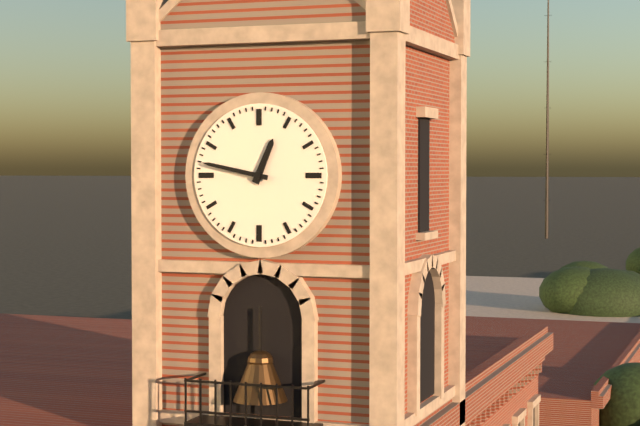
12:47
